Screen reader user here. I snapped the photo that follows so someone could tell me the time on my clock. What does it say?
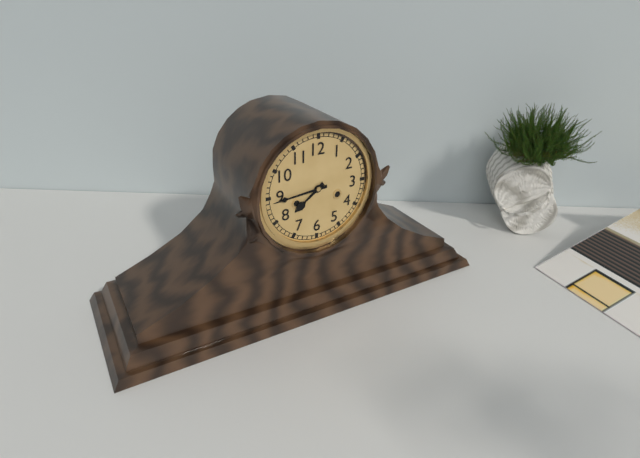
7:44
